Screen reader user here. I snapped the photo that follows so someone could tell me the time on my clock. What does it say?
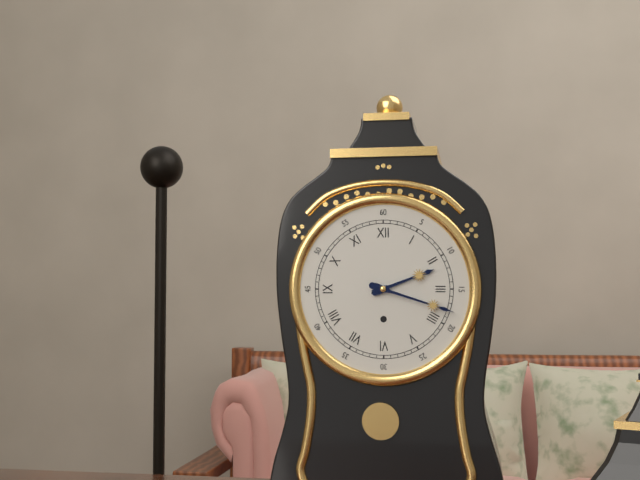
2:18
